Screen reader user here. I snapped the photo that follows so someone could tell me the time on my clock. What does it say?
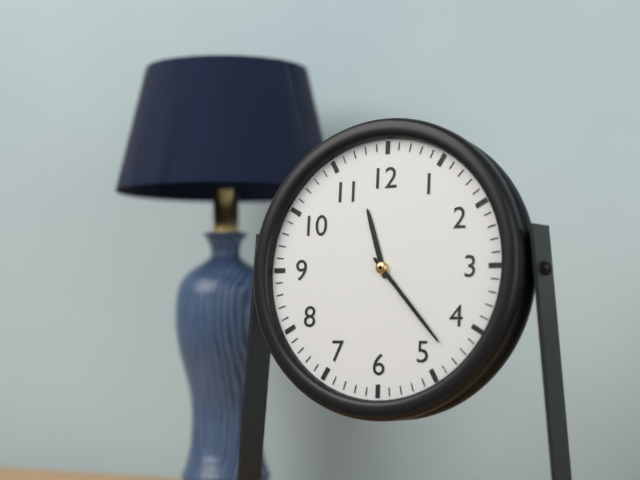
11:23
